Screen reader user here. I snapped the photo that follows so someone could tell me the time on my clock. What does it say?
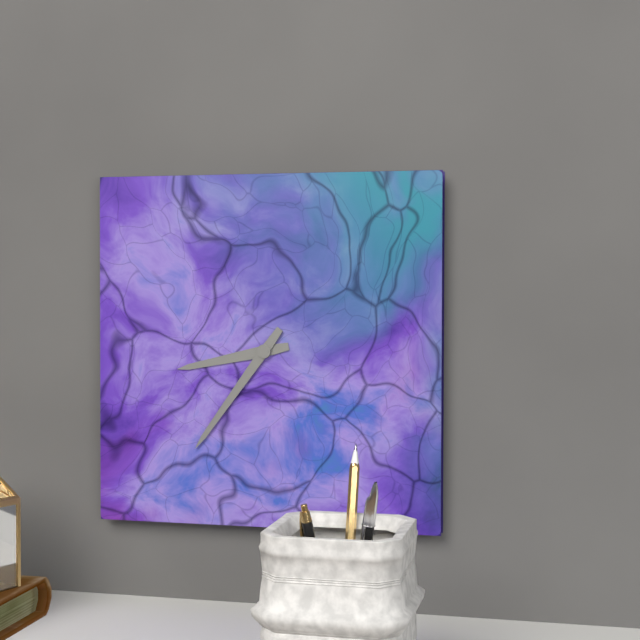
8:36
